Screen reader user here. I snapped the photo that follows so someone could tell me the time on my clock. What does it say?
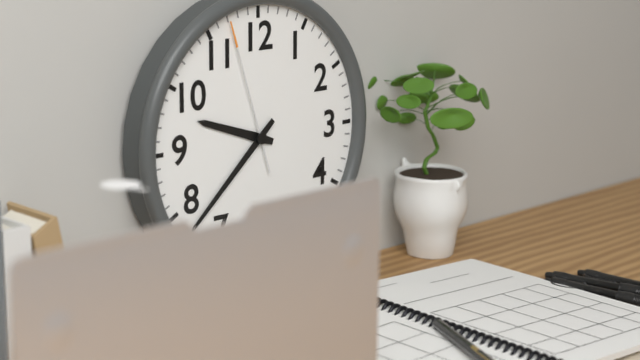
9:38:57
